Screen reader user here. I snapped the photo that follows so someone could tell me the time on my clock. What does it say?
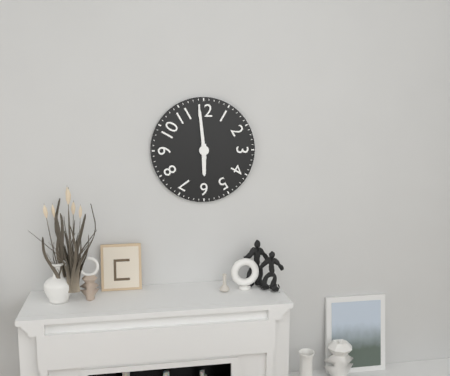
5:59
